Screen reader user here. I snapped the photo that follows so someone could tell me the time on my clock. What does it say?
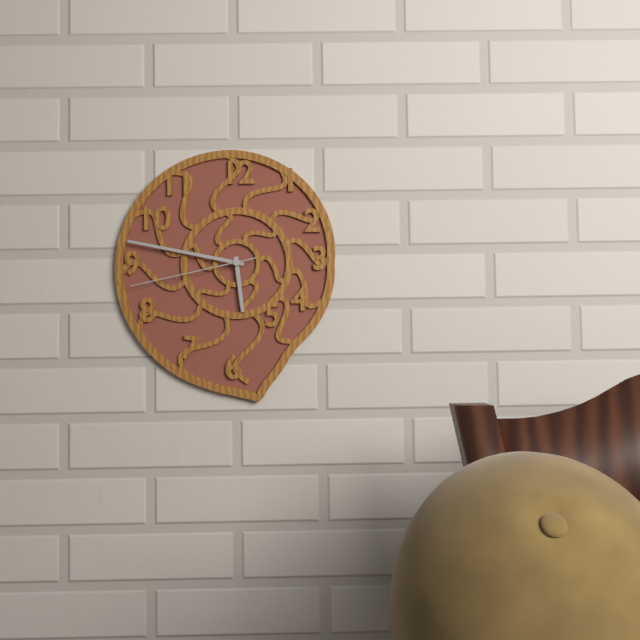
5:47:43
